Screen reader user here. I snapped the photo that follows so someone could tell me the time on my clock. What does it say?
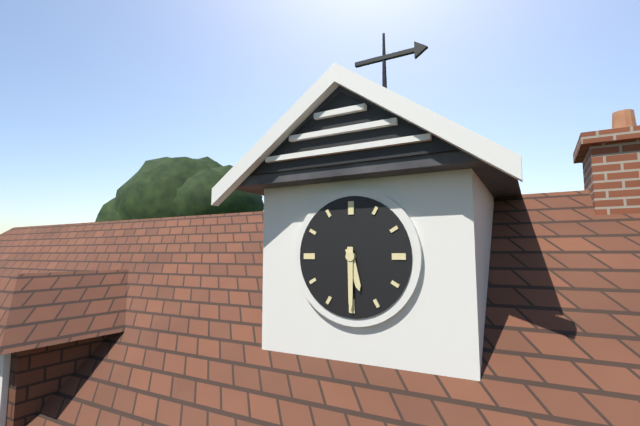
5:30
